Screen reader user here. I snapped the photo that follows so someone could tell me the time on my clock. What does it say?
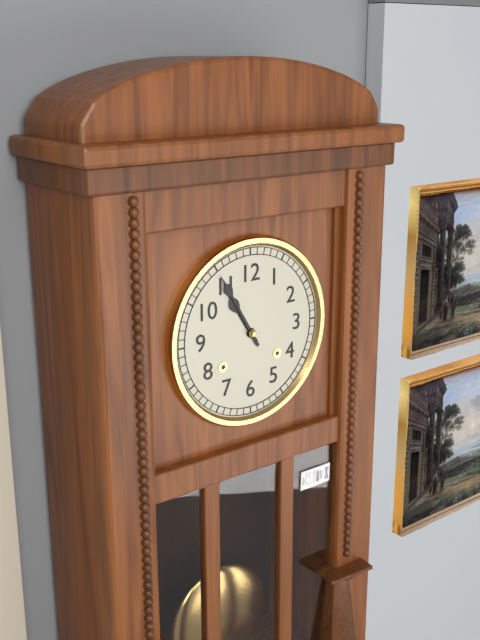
10:55
